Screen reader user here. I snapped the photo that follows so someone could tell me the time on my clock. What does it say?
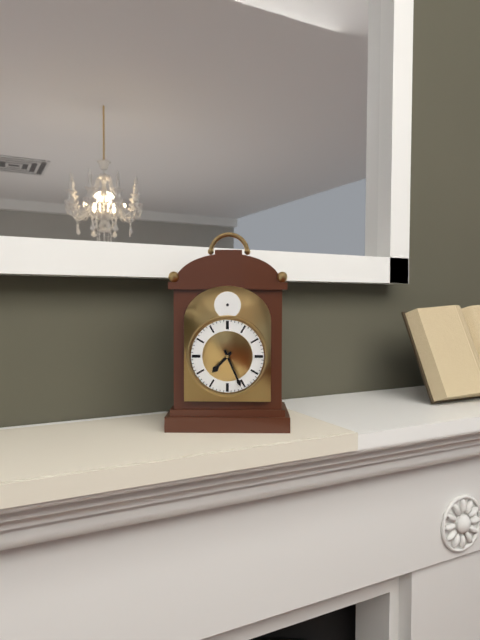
7:26
